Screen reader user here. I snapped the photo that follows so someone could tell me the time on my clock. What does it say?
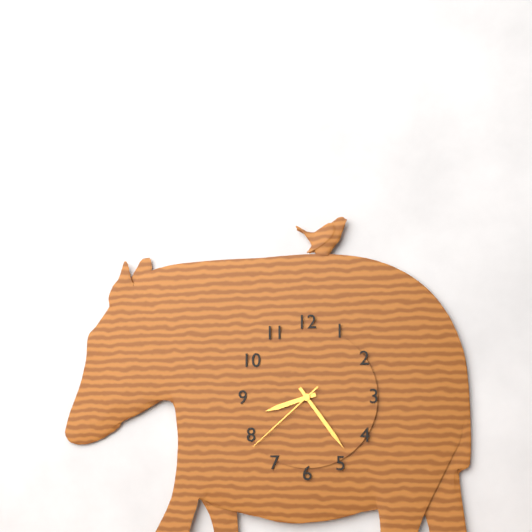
8:24:38
